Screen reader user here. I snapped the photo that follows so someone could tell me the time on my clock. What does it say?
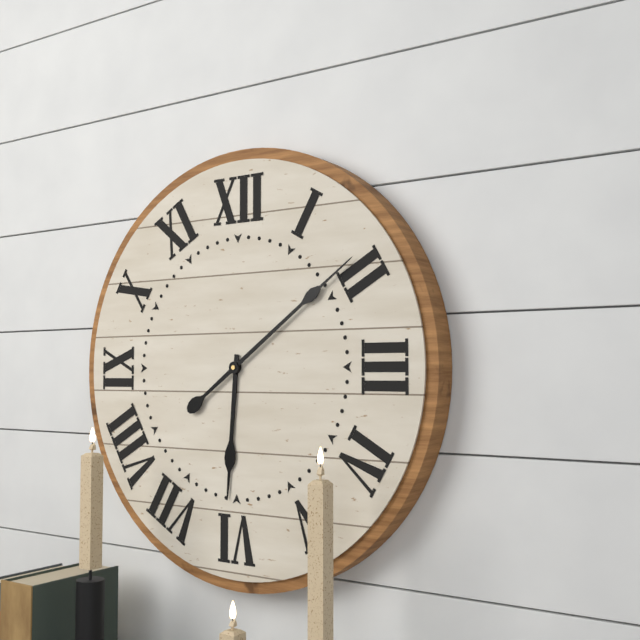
6:09
